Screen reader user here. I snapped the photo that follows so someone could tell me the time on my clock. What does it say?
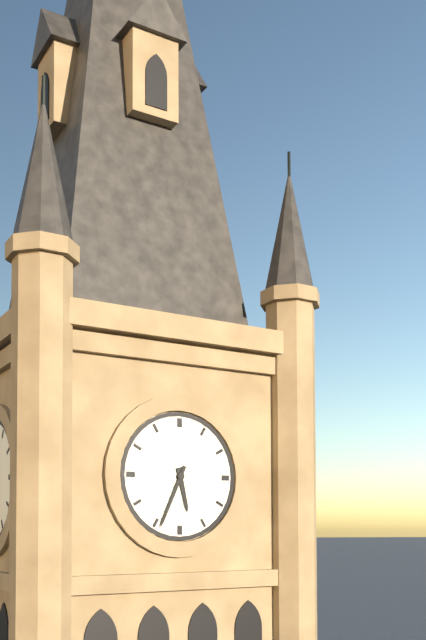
5:34
